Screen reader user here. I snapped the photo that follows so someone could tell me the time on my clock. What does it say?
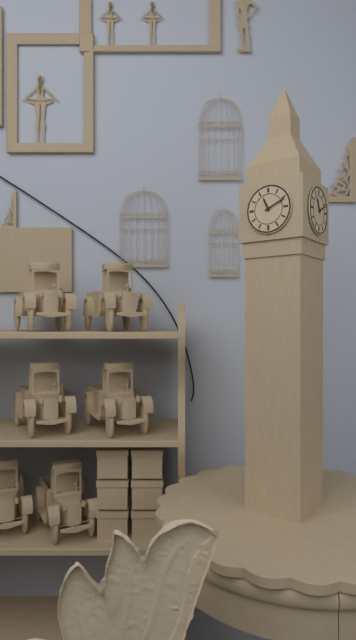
11:11
